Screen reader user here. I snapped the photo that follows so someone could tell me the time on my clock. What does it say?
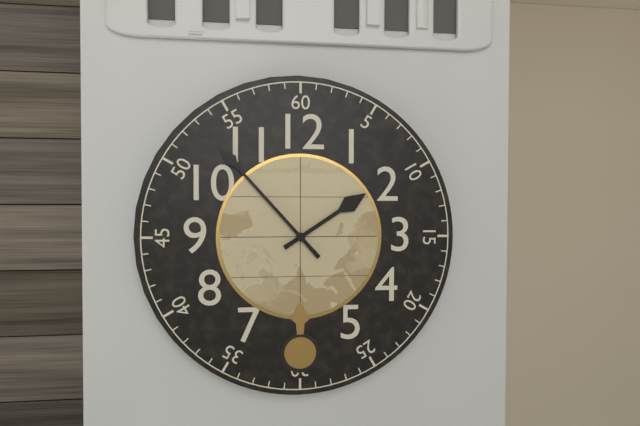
1:53
